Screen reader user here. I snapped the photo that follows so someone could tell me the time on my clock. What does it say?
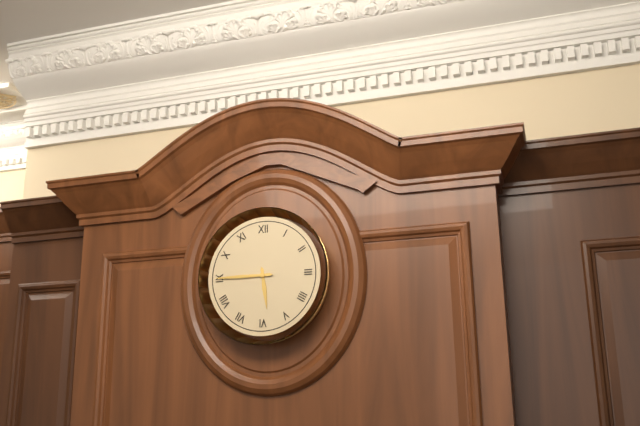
5:45
